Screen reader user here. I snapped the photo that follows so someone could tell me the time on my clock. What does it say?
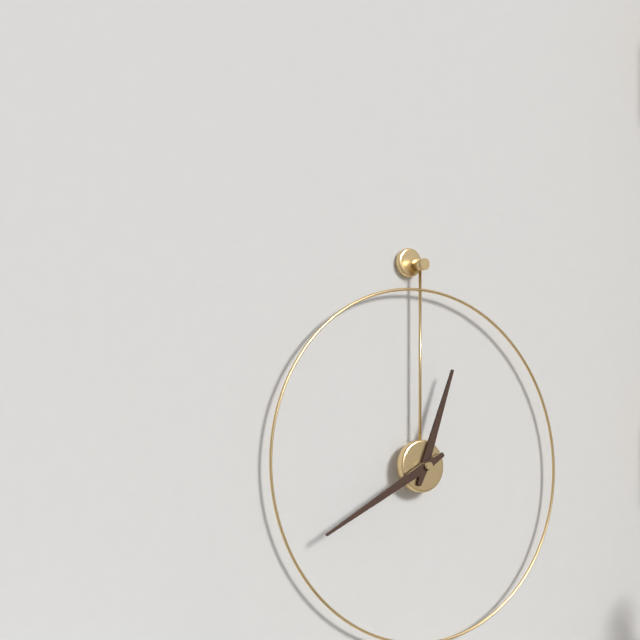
12:40
